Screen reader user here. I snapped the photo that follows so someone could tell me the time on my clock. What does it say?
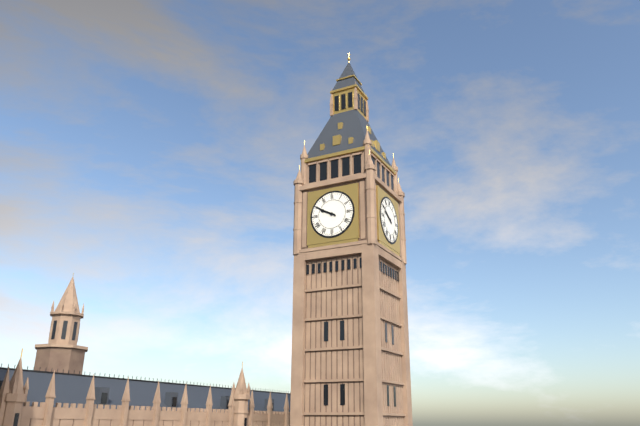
9:50
